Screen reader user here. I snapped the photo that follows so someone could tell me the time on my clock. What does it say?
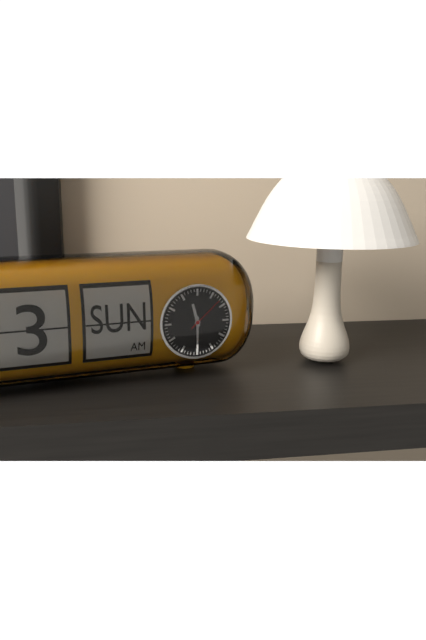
11:30:08
